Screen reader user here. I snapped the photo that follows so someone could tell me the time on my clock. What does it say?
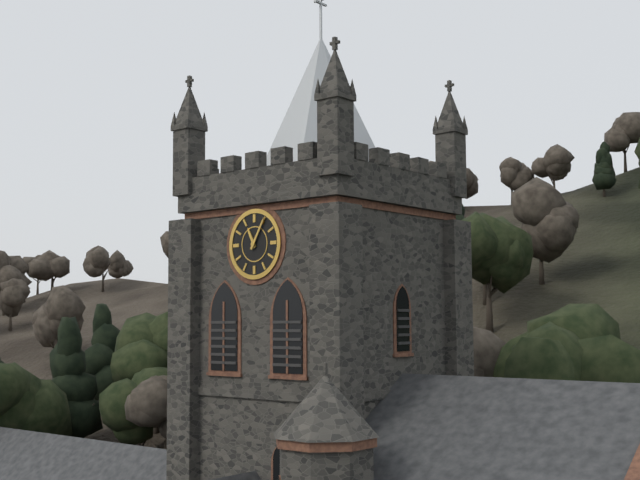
11:05
